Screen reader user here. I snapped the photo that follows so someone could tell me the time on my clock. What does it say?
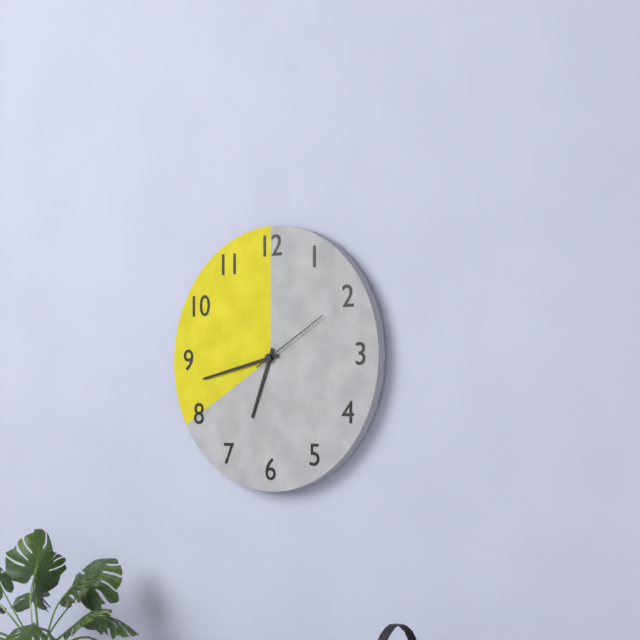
6:43:10
